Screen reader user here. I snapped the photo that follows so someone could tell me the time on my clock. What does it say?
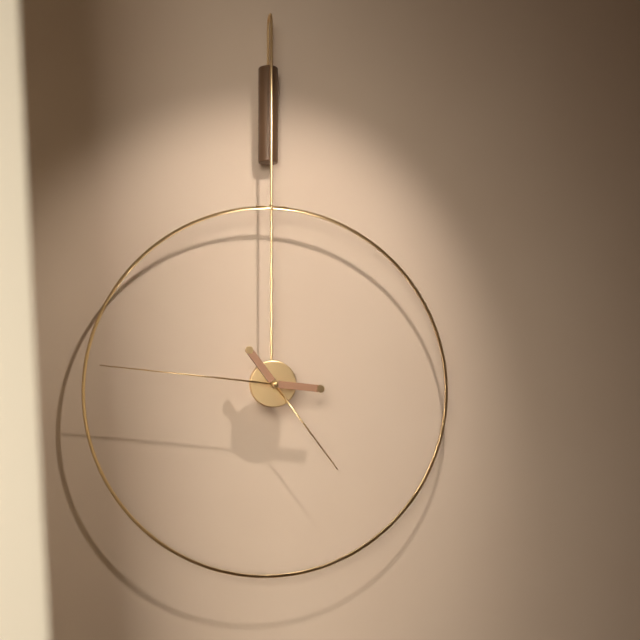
4:46
